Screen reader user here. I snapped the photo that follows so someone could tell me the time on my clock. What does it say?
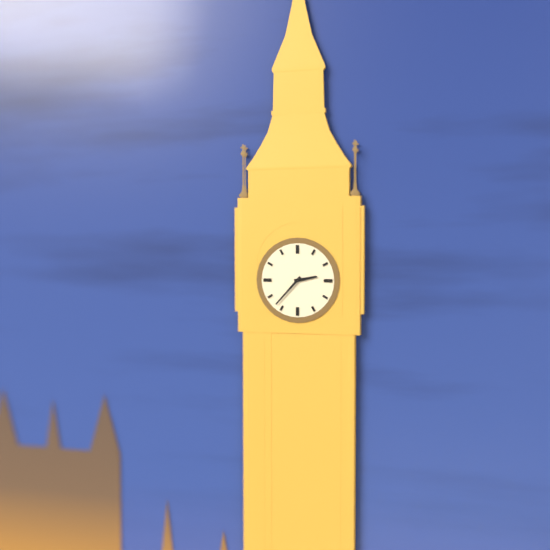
2:37
